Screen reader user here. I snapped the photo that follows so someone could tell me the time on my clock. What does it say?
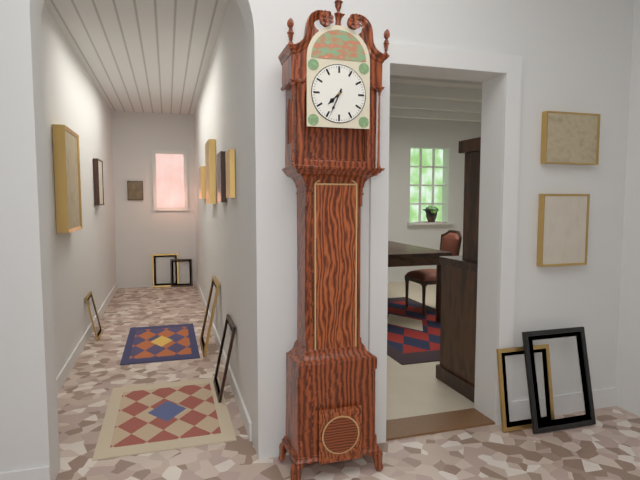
7:34
